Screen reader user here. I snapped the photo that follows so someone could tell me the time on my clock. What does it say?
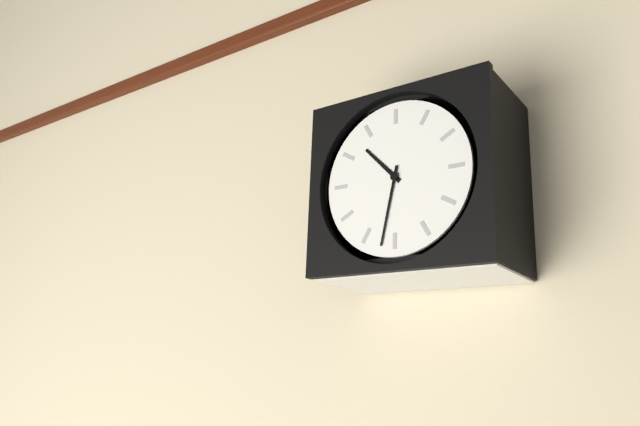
10:32
